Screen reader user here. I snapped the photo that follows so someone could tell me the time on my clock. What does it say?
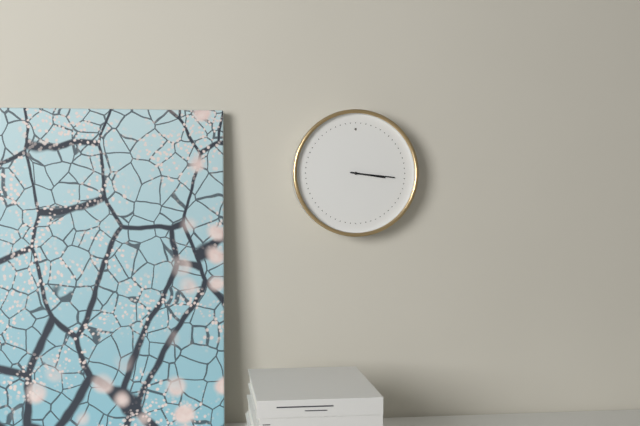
3:16
